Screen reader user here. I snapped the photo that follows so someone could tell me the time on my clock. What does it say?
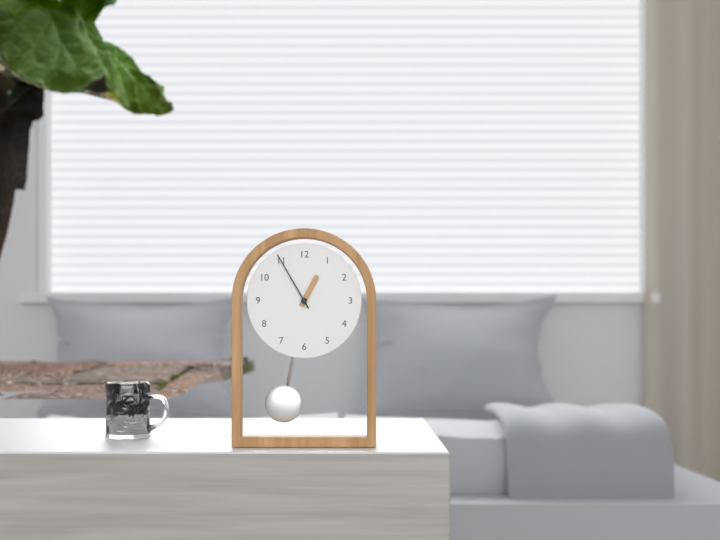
12:55
